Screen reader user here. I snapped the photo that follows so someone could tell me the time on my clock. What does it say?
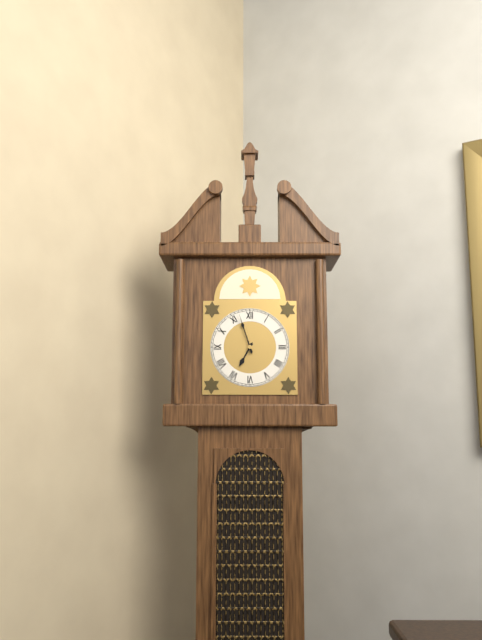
6:57
